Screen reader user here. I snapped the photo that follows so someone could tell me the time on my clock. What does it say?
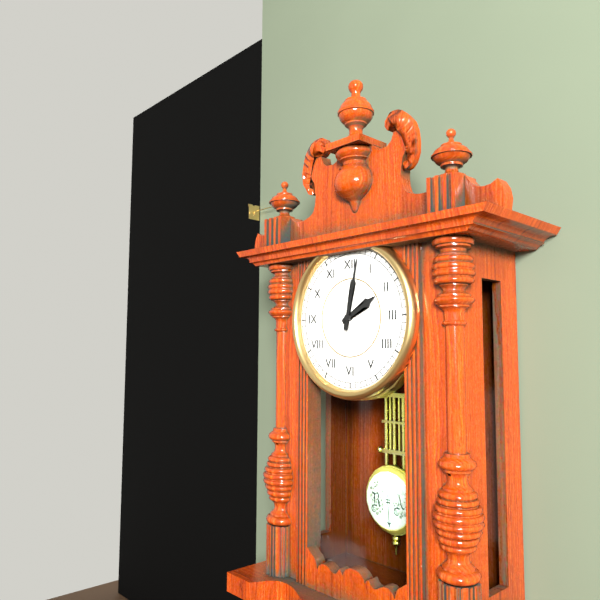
2:02
